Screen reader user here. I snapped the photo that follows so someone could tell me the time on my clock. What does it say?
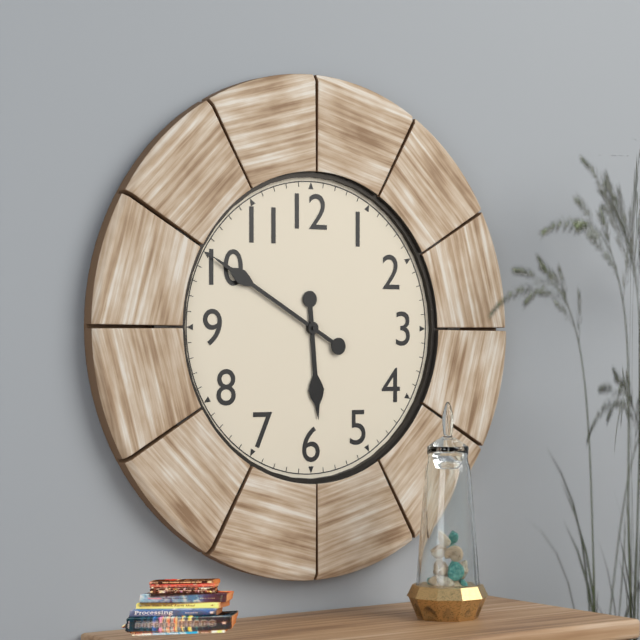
5:50
